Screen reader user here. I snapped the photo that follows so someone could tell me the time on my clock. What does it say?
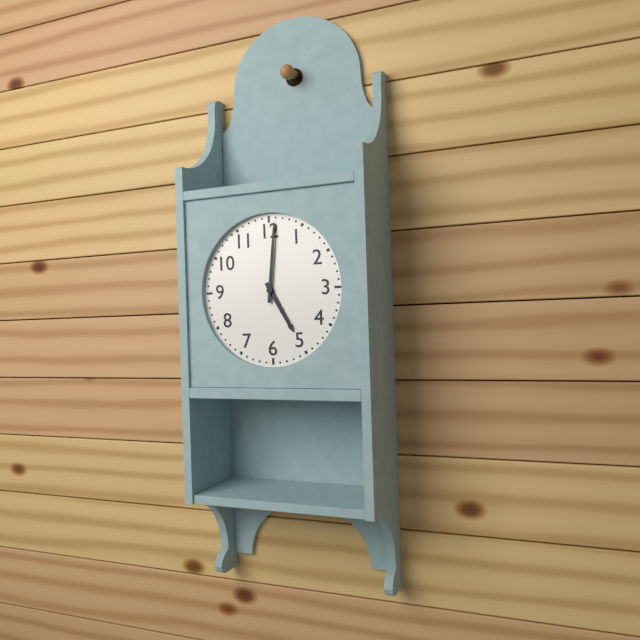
5:01
